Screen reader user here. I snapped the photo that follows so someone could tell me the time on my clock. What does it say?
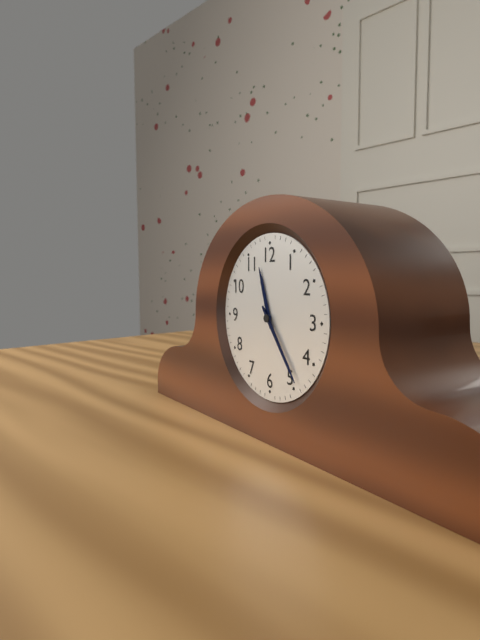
11:24
